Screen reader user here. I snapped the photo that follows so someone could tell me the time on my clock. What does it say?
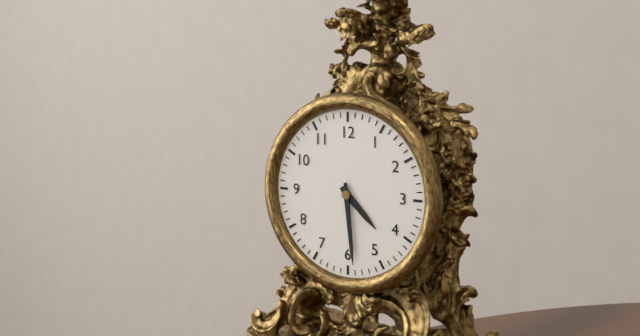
4:29
